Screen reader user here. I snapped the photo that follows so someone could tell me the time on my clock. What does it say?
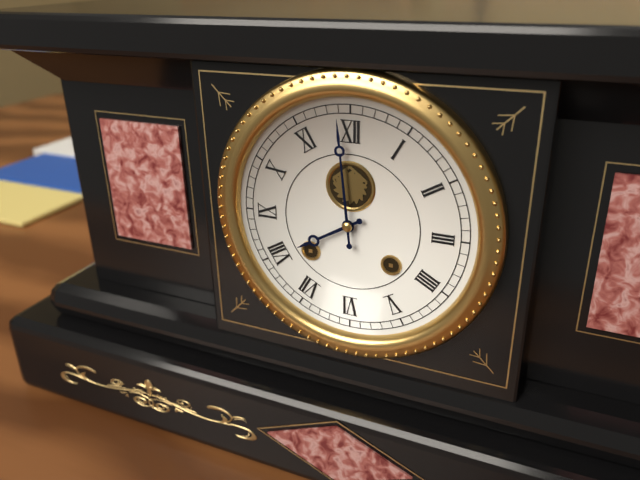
7:59
